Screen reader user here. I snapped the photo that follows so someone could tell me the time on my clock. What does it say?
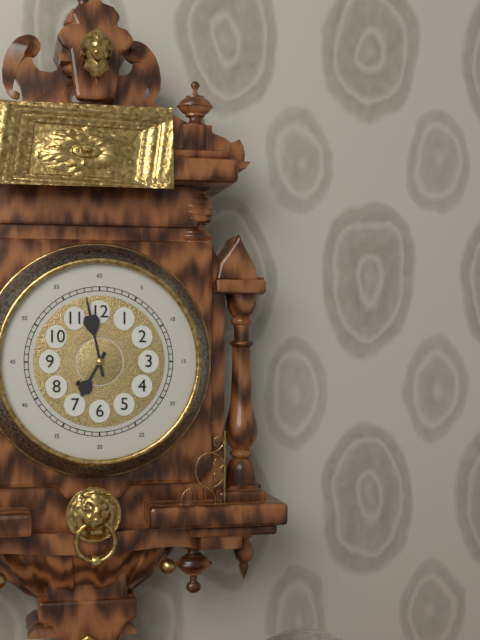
6:58
